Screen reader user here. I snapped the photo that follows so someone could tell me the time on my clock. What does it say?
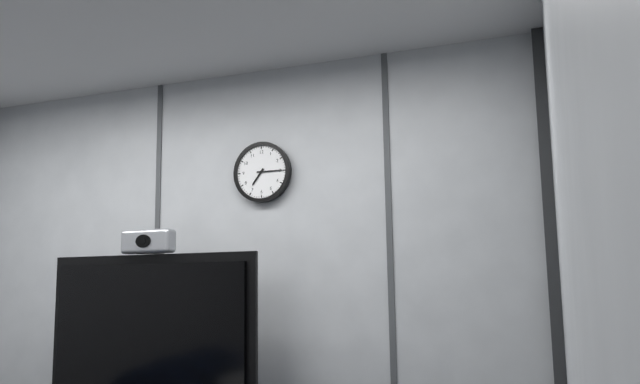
7:15
